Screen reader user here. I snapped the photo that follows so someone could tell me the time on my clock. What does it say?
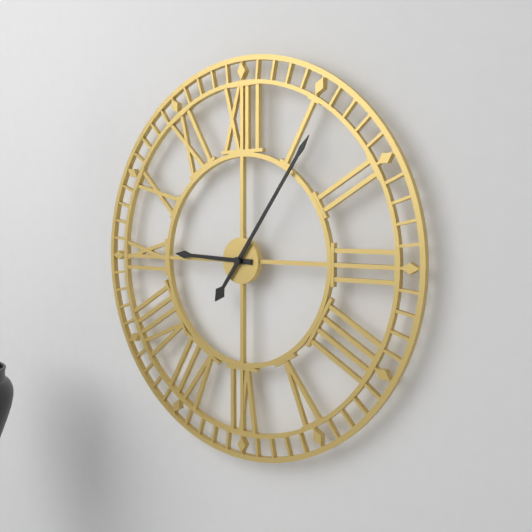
9:06
